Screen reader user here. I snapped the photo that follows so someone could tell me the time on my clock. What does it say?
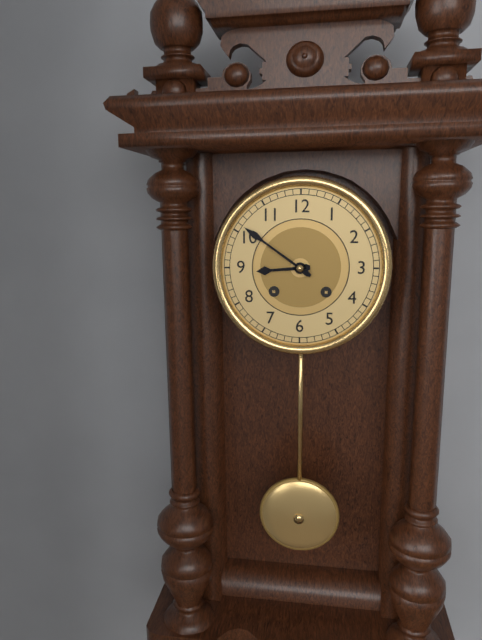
8:51
